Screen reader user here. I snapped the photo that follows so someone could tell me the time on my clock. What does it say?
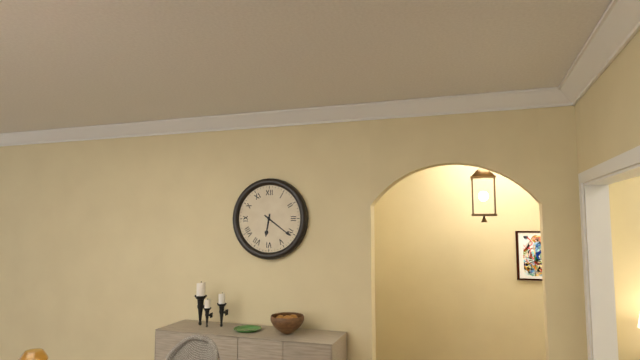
6:21
